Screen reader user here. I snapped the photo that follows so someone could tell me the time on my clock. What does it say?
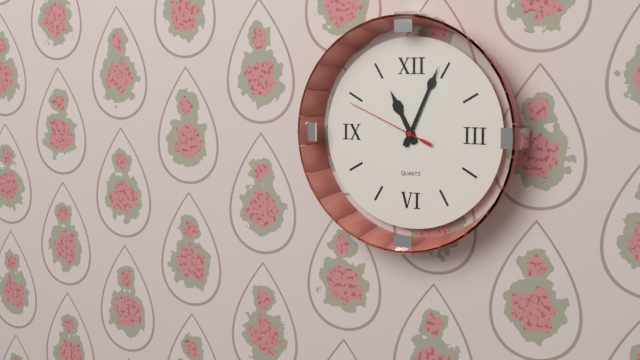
11:04:49
